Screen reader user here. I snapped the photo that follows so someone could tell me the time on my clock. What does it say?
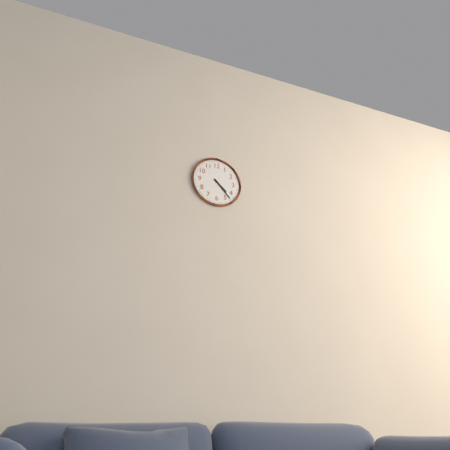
4:23
